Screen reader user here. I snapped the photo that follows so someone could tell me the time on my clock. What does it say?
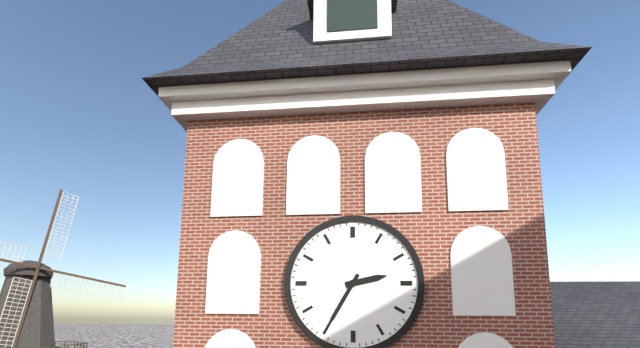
2:35
